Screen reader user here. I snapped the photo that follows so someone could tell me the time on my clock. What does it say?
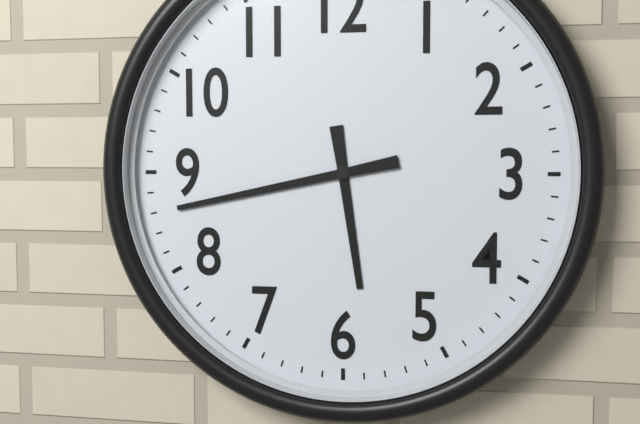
5:43
